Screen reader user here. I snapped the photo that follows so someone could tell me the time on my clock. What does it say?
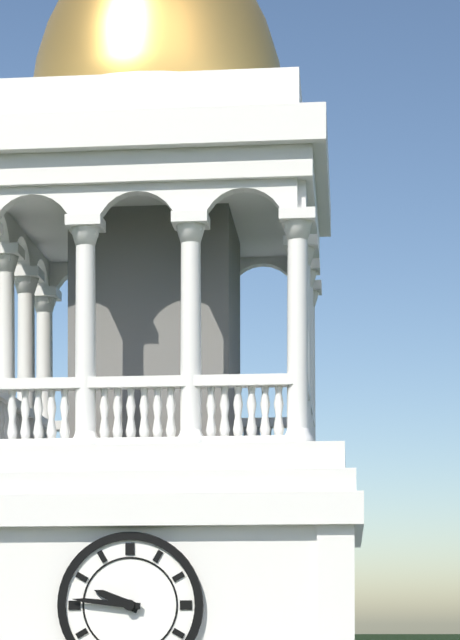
9:46
